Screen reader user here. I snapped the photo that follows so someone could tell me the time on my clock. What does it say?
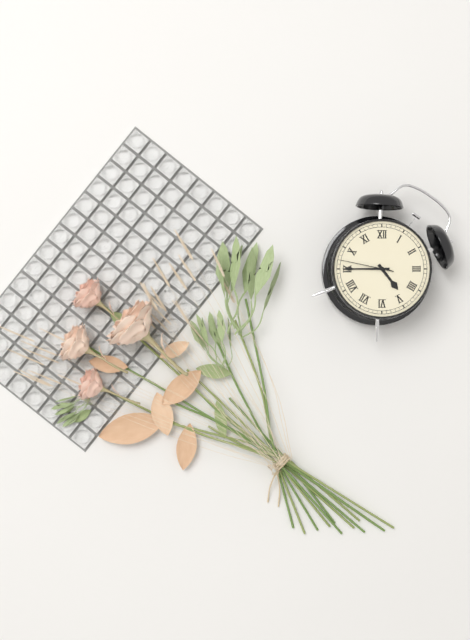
4:45:47
